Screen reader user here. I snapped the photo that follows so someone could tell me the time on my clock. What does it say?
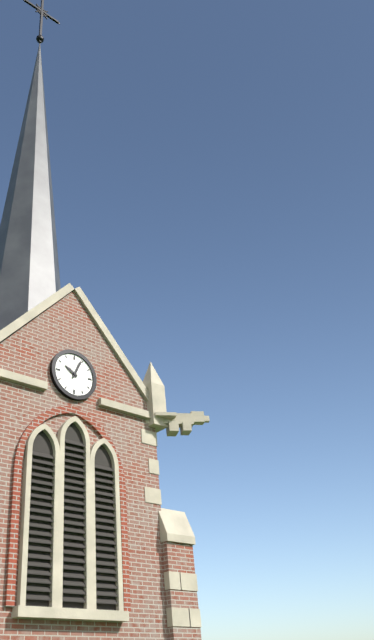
10:04
